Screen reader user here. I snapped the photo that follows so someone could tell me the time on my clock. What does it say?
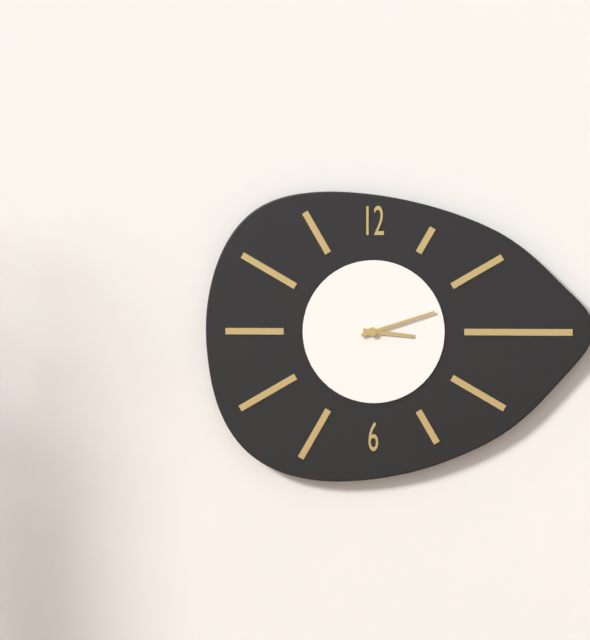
3:12
